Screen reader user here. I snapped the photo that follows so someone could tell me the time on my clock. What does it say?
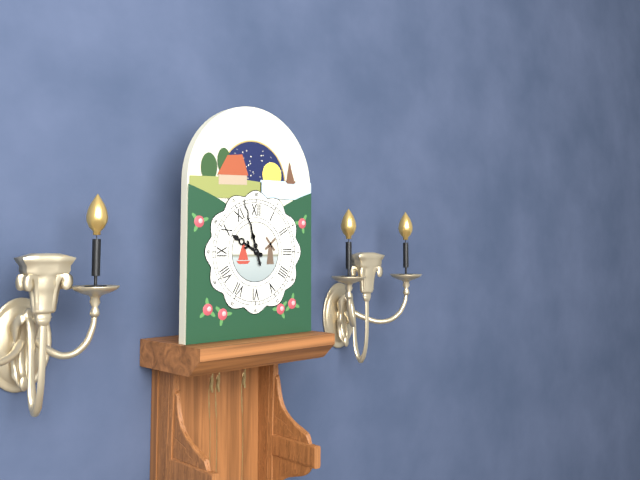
9:57
